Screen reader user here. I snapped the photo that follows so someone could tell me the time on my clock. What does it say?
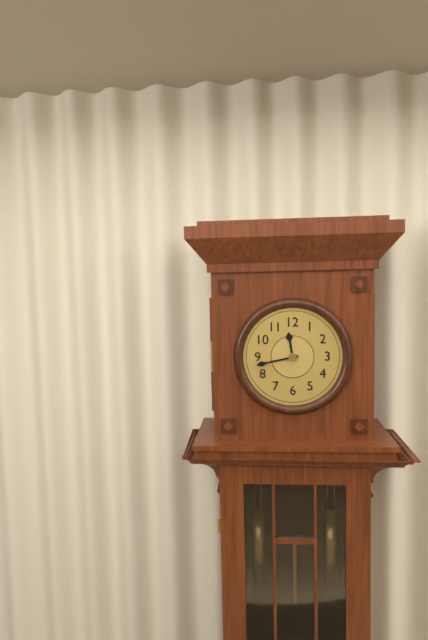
11:43
